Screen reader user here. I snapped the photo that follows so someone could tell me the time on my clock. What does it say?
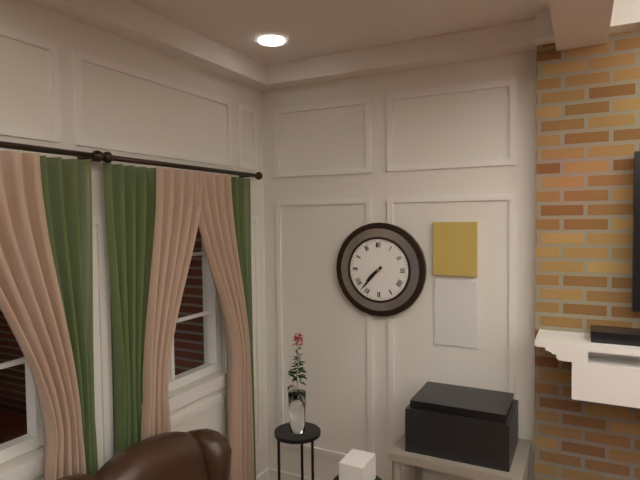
7:37
